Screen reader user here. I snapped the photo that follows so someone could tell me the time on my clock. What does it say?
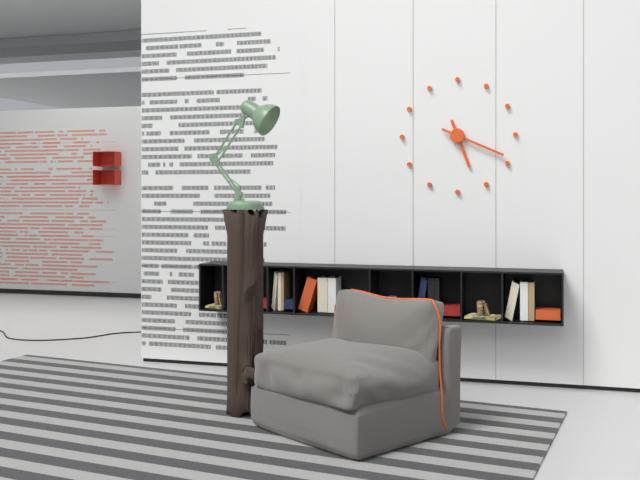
5:19
